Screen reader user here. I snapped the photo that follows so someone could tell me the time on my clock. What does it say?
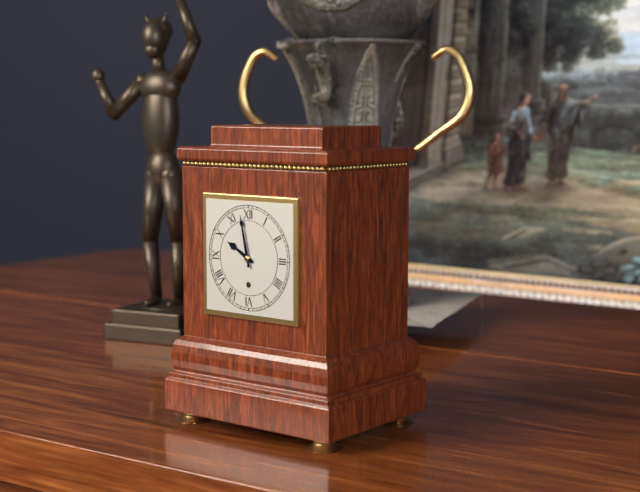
9:58
